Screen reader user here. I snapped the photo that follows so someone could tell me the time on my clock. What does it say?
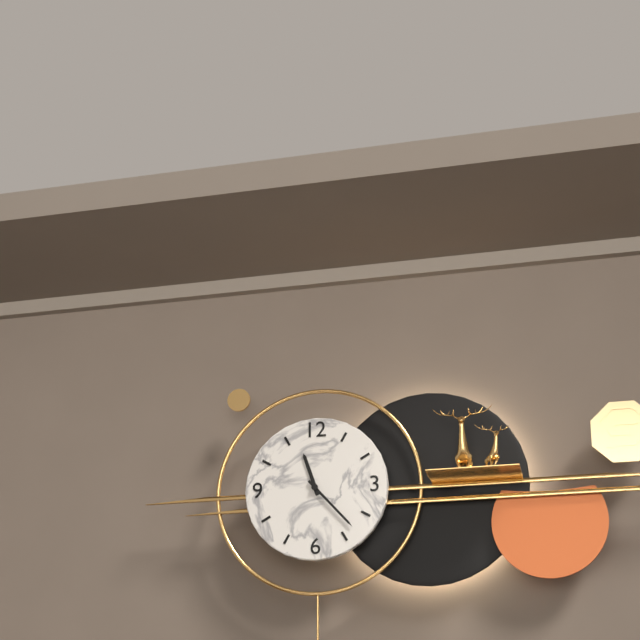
11:23
